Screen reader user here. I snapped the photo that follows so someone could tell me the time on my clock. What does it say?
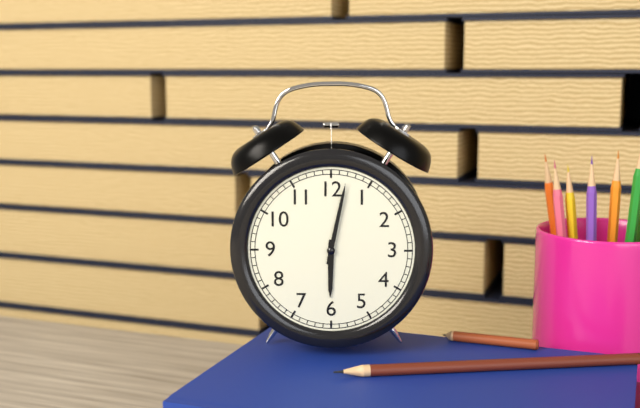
6:02
